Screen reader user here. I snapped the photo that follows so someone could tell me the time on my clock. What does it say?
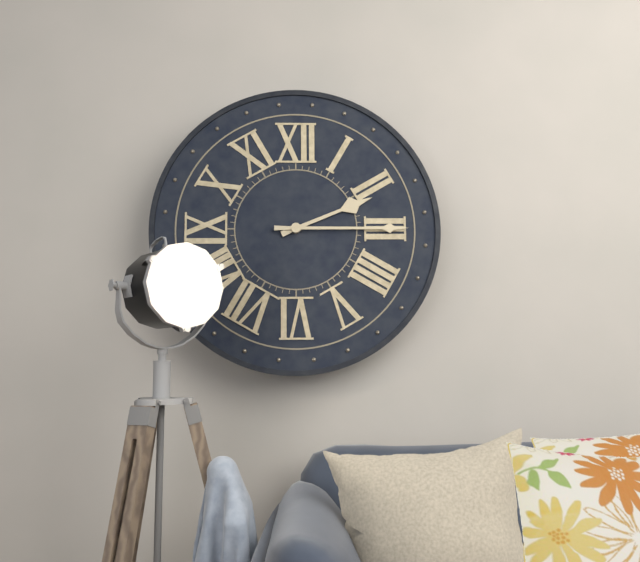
2:15
